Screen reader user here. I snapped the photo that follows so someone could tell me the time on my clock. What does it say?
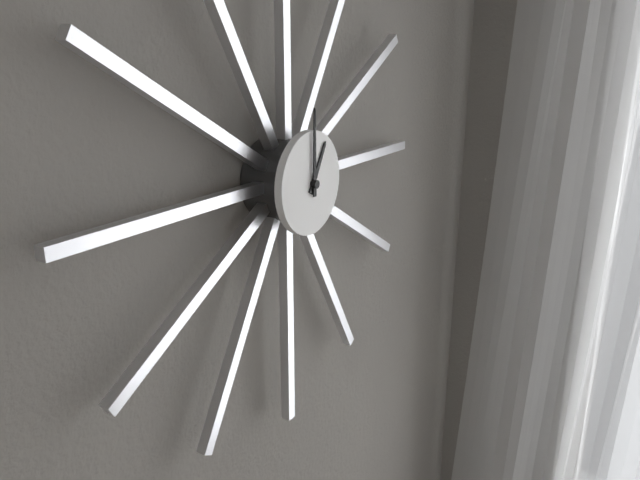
1:00
